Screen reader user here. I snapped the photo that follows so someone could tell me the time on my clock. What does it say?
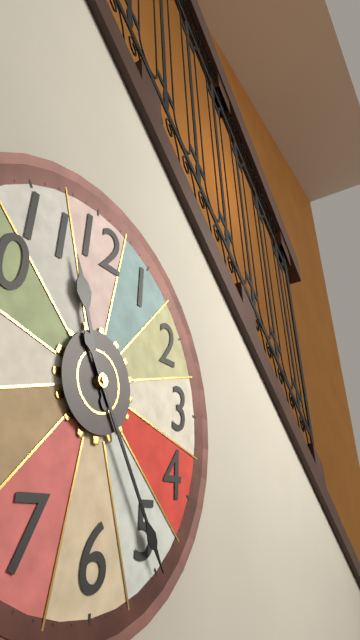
11:25
